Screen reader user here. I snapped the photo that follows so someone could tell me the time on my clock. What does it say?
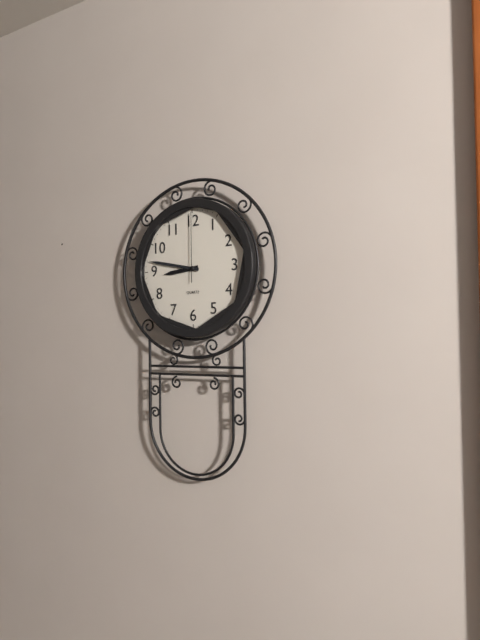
8:47:00
